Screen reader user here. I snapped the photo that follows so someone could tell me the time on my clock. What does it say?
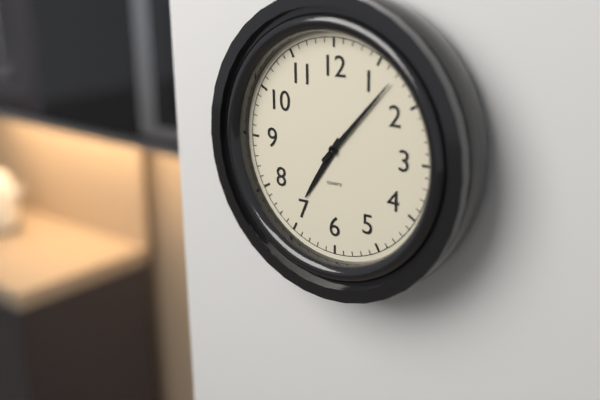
7:07
